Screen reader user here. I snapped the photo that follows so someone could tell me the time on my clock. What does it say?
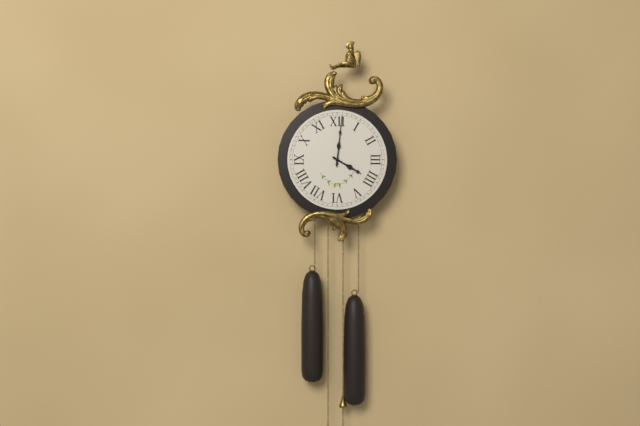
4:01
